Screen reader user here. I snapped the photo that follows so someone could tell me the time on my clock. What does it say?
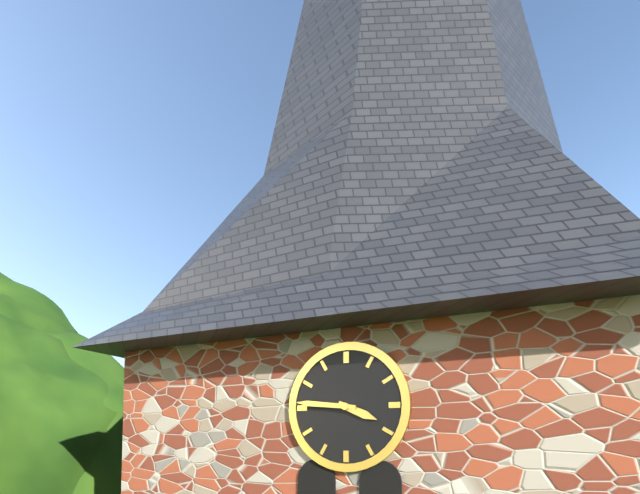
3:46
